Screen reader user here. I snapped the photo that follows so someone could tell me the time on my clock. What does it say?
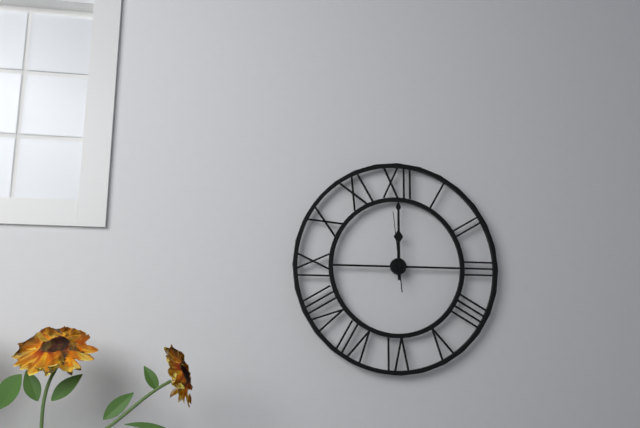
12:00:59
